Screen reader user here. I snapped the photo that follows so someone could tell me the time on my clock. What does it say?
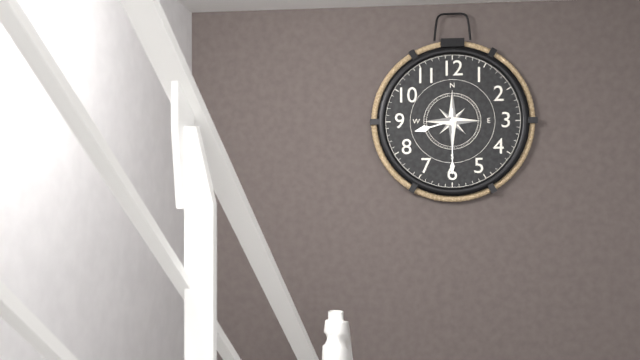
8:30
